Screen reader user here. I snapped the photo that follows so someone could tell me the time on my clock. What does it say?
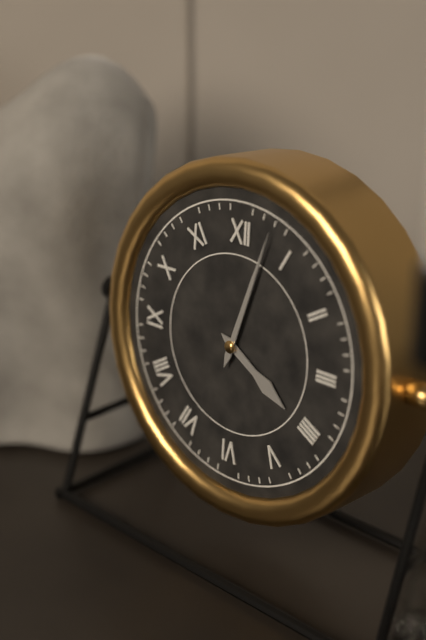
4:03
